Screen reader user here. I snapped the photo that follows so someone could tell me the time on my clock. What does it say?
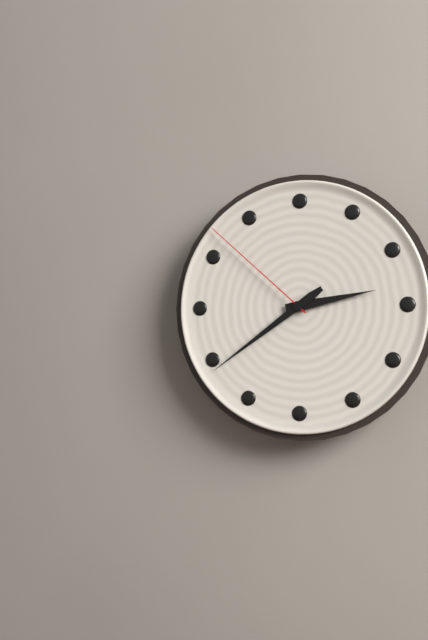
2:39:52
